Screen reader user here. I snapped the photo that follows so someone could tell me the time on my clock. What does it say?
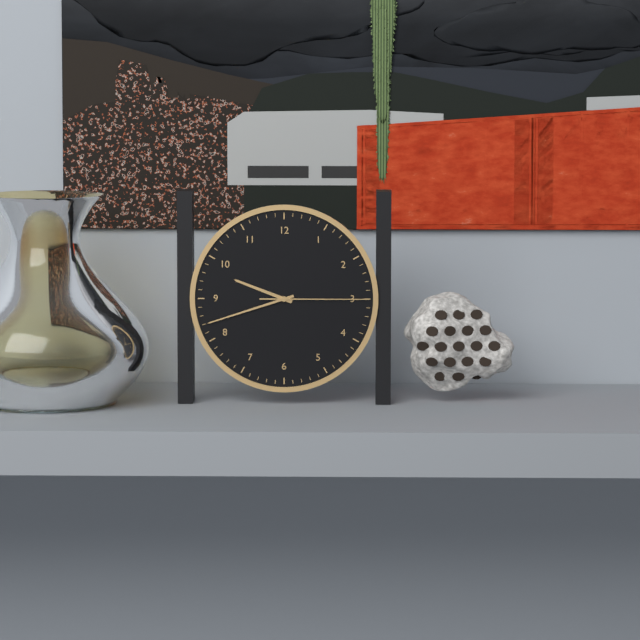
9:42:15
